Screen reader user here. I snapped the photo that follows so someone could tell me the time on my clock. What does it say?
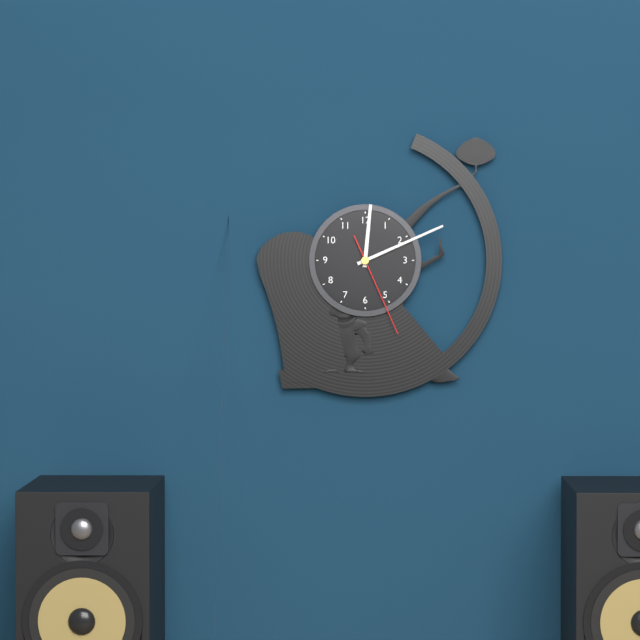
12:11:26
